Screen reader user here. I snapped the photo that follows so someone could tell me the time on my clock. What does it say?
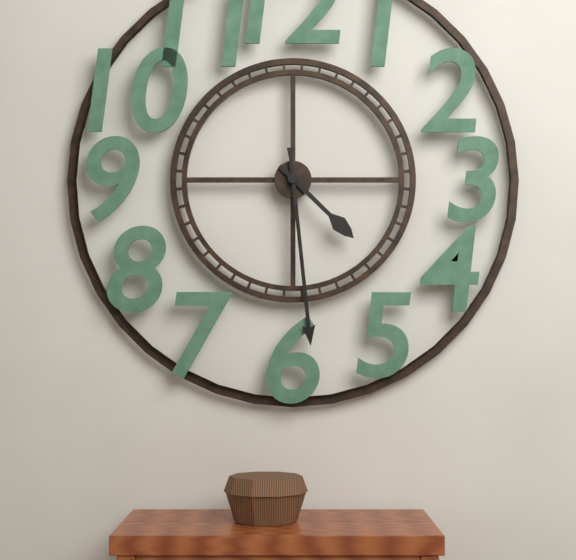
4:29
